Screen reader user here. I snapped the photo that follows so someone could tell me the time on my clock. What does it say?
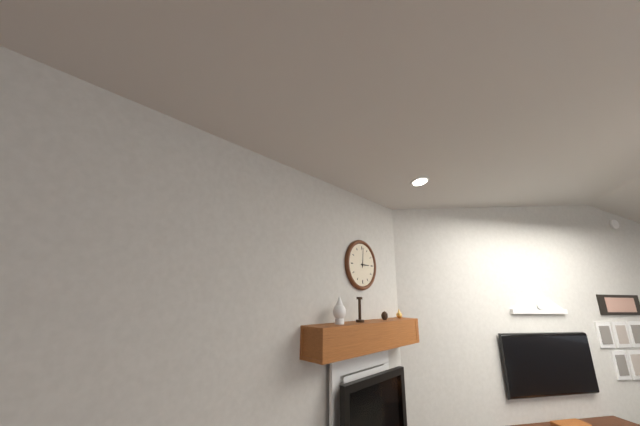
3:01
